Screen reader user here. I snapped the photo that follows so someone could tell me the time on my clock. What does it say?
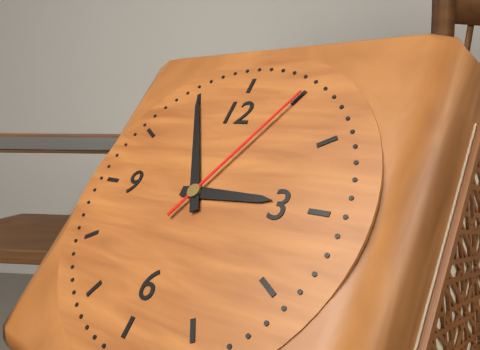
2:55:05
